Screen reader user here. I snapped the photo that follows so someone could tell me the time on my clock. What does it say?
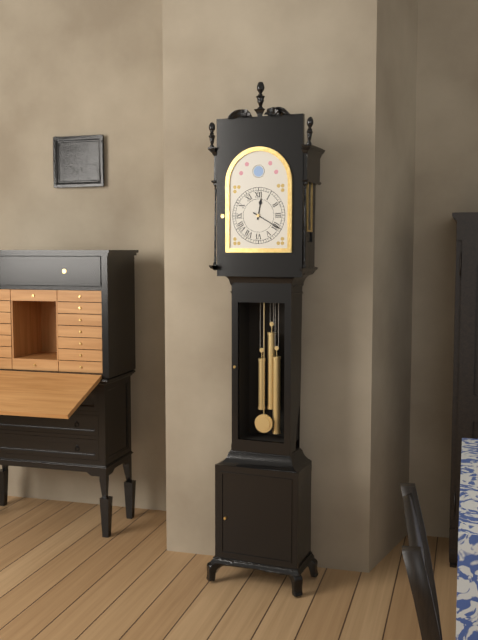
12:20
